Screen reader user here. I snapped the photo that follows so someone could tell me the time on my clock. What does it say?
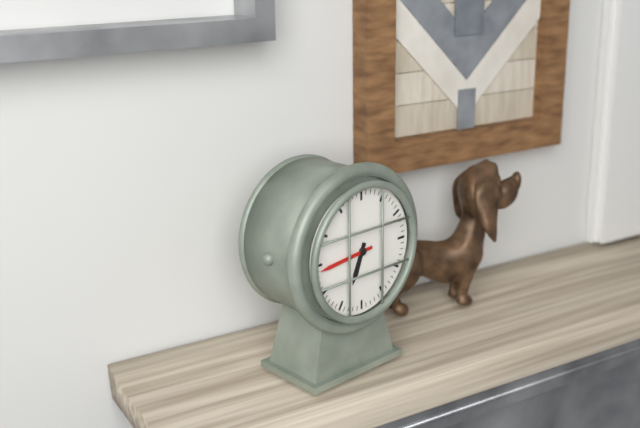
6:44
